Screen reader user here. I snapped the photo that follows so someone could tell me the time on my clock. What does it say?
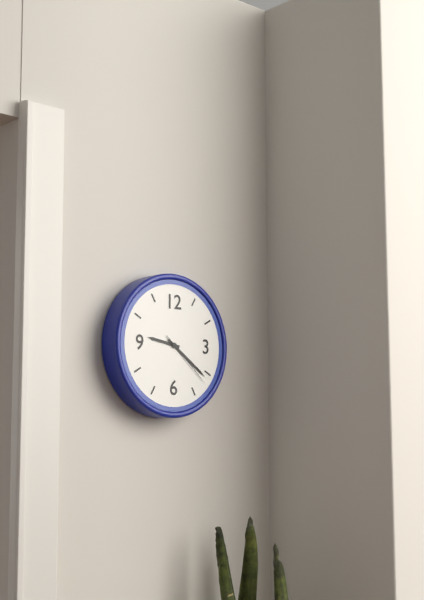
9:21:22
